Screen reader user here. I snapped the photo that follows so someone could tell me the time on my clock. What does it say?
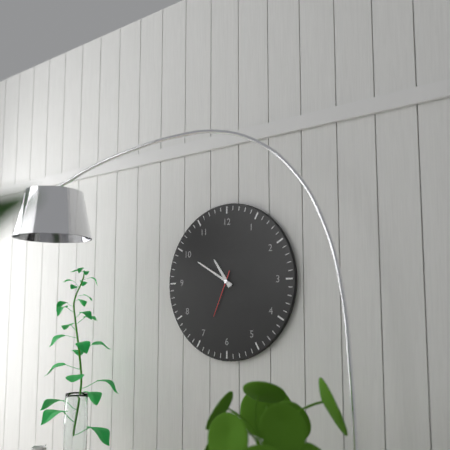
10:50
